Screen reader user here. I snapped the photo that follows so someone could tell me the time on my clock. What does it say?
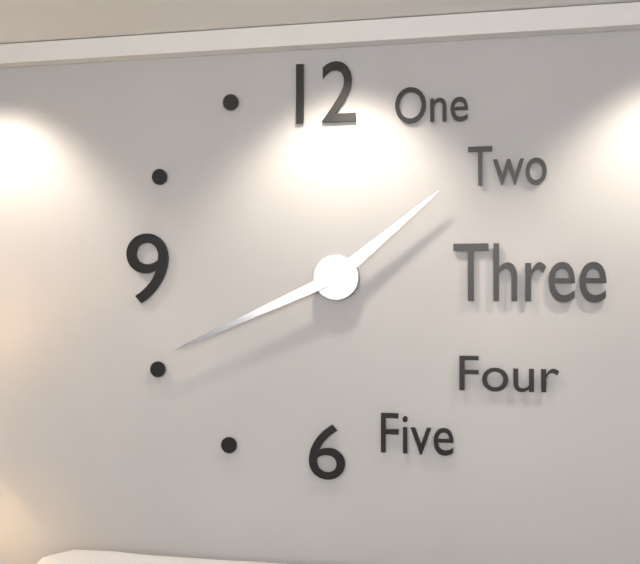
1:41
